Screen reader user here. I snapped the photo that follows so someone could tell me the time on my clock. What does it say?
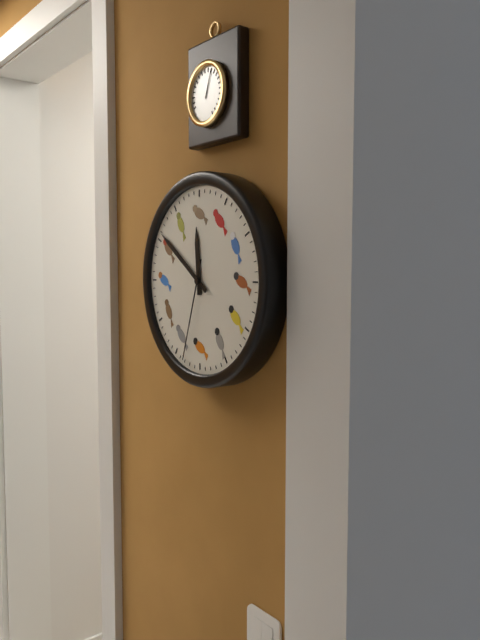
11:51:33
